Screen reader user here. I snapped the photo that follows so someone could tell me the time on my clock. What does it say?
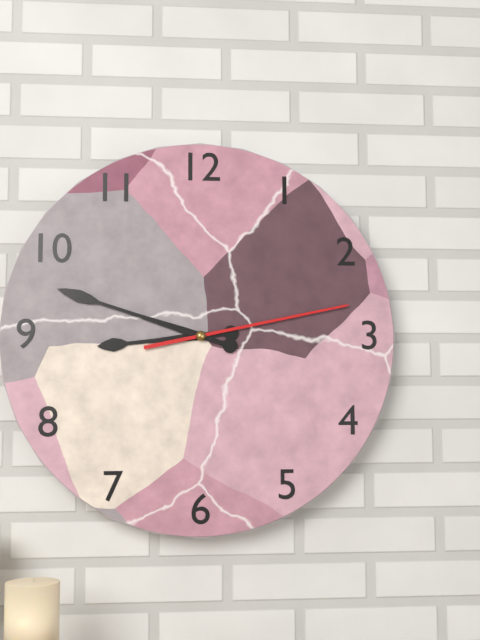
8:48:13
